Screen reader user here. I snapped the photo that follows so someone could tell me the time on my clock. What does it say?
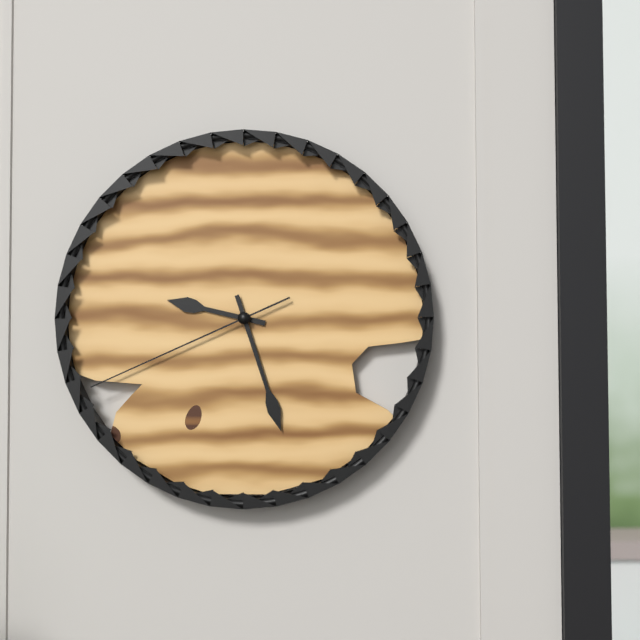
9:27:41
